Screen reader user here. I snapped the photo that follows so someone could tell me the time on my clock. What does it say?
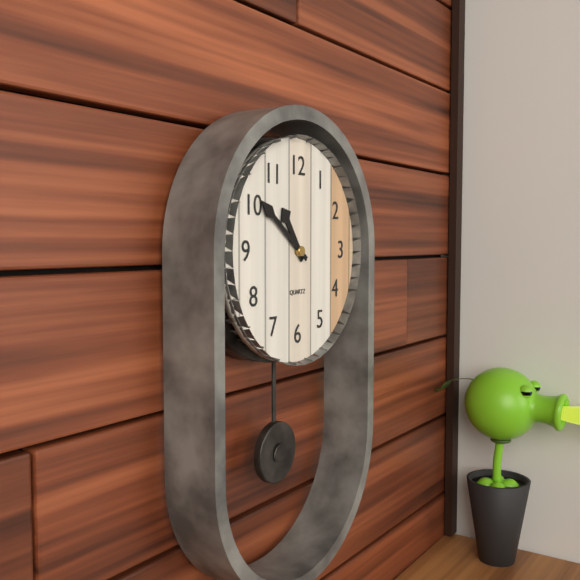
10:51
